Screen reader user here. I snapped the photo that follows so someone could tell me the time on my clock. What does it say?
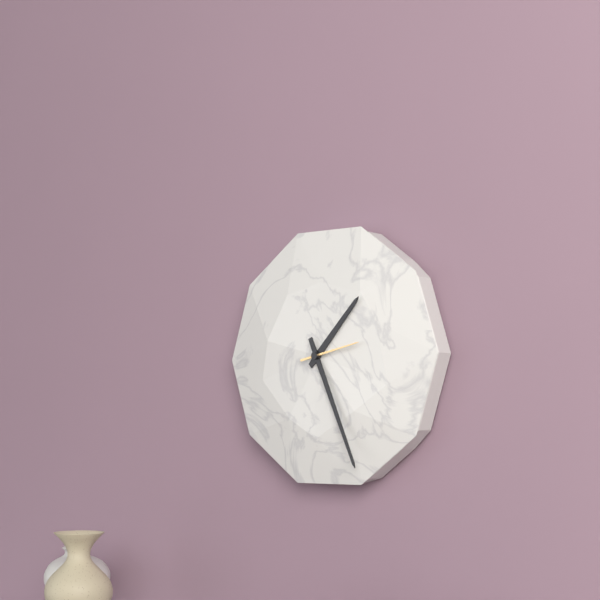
1:26:13
